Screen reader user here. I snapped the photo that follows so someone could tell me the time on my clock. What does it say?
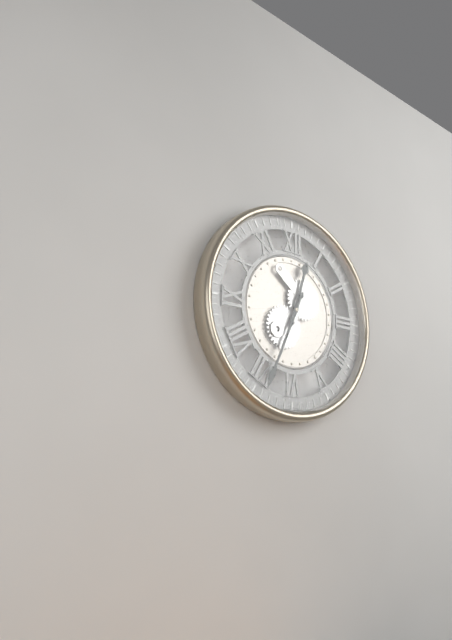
12:34
